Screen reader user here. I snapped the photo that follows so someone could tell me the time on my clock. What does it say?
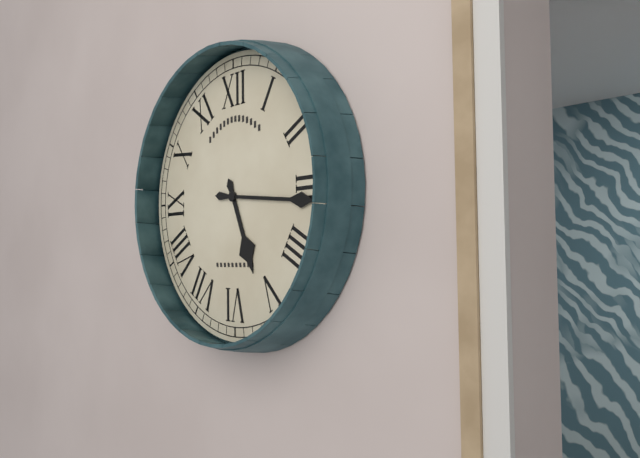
5:16
